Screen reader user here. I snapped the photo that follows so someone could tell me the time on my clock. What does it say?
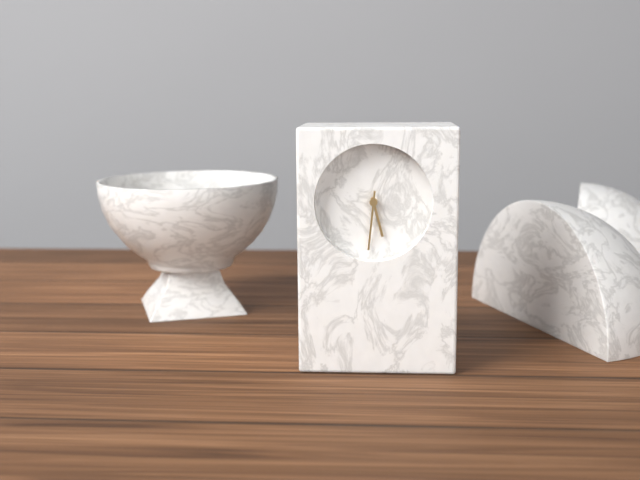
5:31
